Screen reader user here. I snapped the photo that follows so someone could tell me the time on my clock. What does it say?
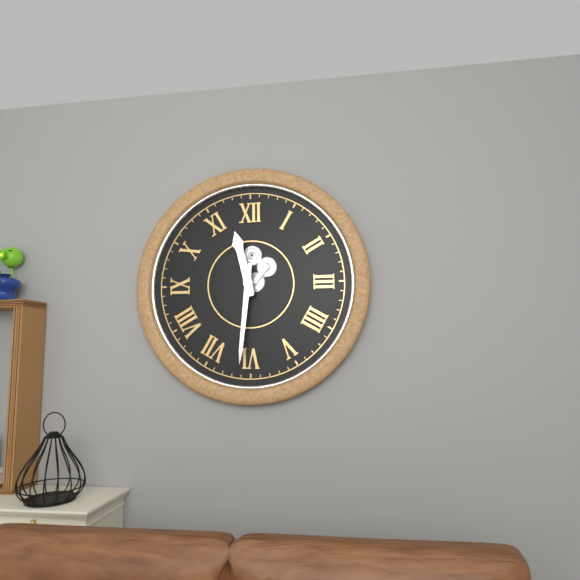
11:31
